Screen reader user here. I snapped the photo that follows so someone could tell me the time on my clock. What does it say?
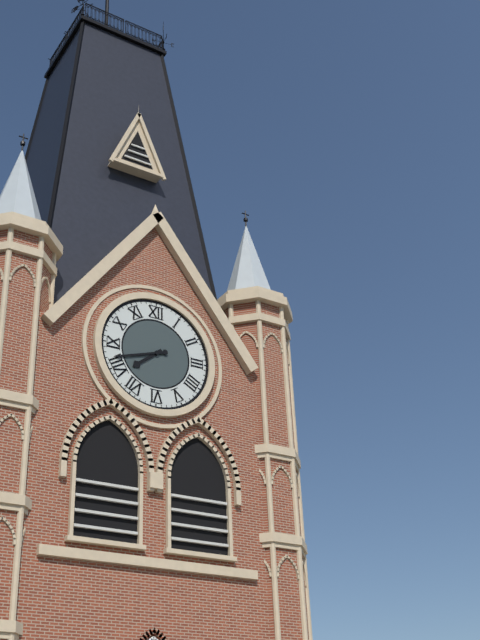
7:42
